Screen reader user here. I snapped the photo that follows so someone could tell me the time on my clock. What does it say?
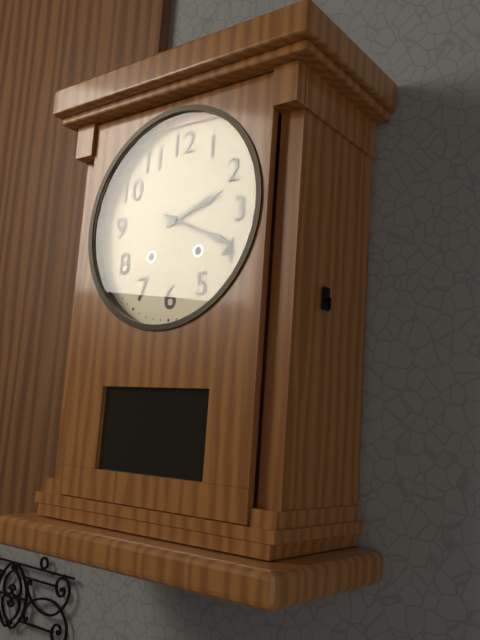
2:19
